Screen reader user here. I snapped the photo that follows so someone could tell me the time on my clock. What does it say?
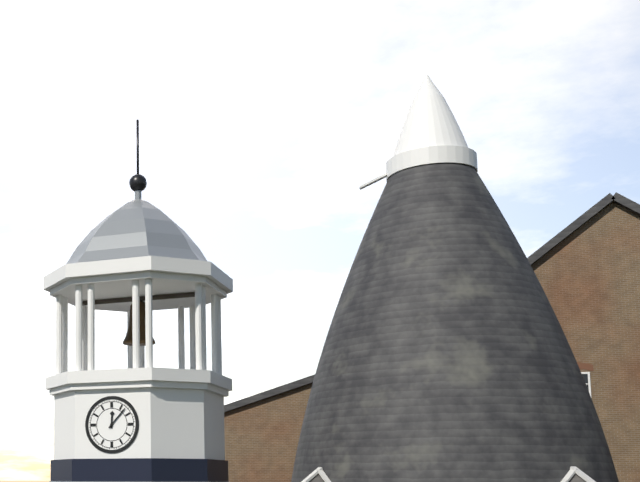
12:07
